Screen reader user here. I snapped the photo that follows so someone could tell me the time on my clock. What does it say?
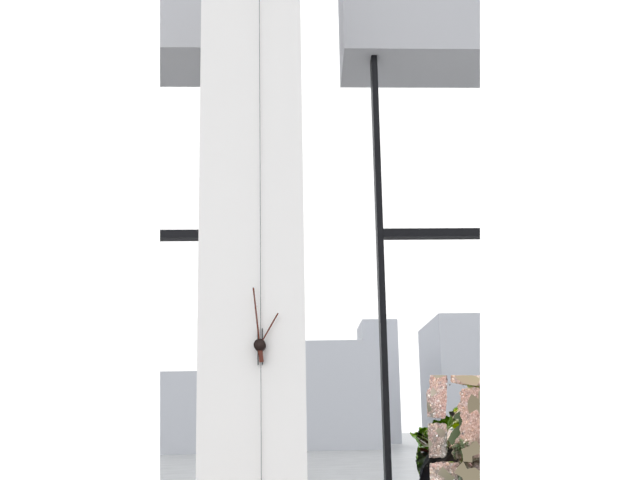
12:59
